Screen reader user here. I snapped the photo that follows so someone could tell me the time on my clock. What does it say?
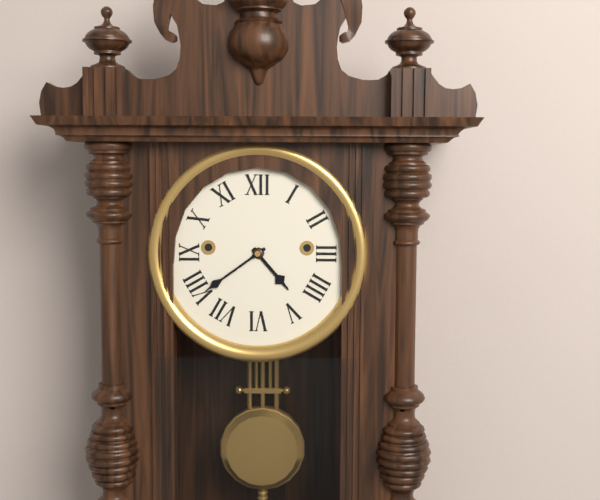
4:39
